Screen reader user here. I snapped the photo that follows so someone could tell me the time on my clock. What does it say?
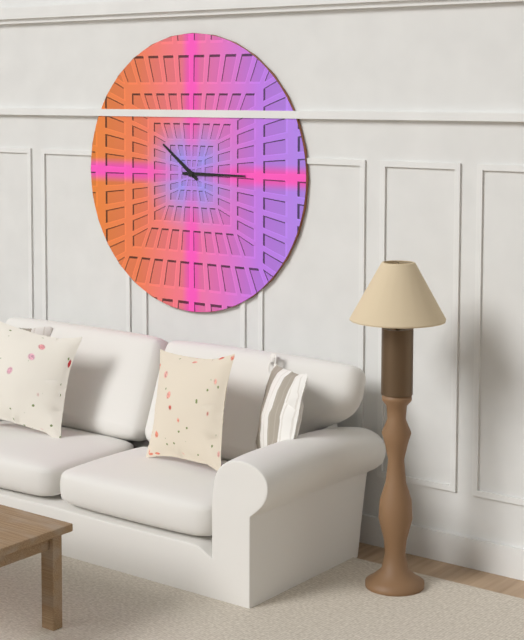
10:15
